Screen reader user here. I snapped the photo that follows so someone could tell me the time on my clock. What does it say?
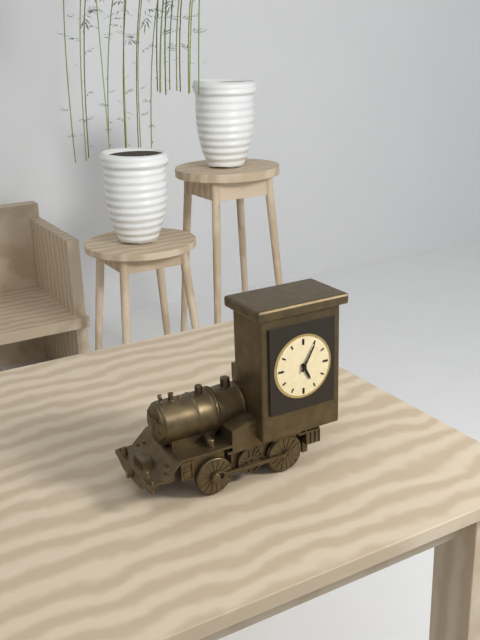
5:05
